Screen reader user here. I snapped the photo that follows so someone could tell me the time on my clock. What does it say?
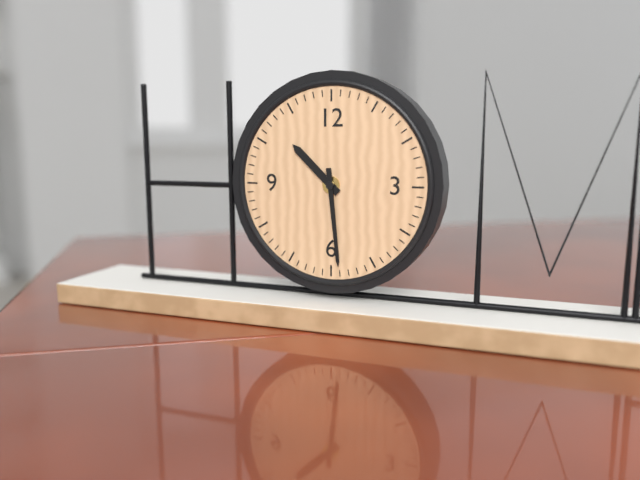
10:29
